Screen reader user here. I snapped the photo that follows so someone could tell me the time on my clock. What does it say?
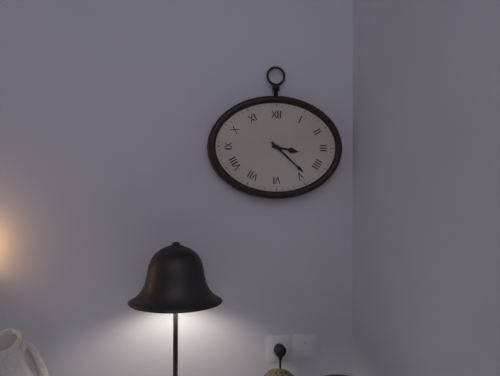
3:22
